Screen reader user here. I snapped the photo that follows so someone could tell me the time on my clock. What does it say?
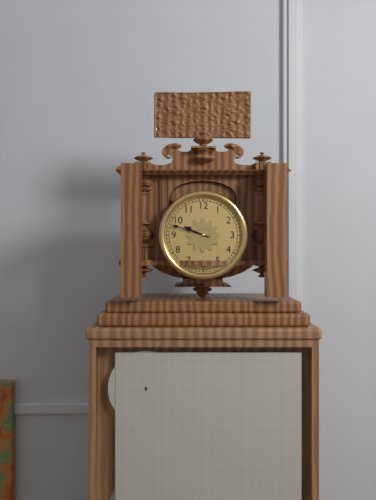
9:48
